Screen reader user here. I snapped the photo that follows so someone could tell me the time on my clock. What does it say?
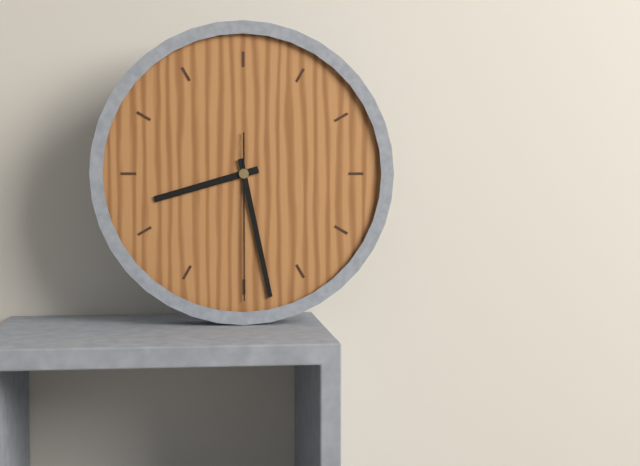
8:28:30
